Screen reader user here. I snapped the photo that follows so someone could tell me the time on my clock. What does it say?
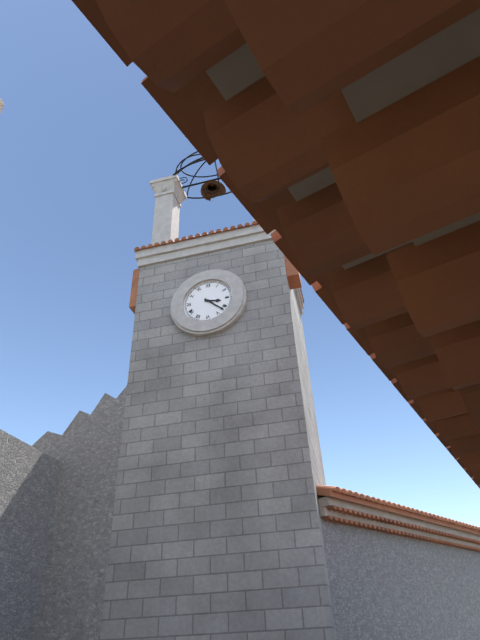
3:22
